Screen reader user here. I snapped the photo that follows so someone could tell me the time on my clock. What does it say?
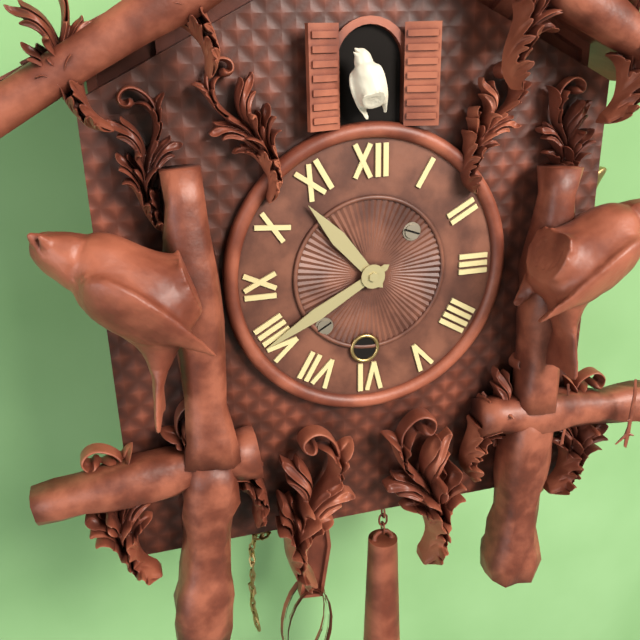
10:40
